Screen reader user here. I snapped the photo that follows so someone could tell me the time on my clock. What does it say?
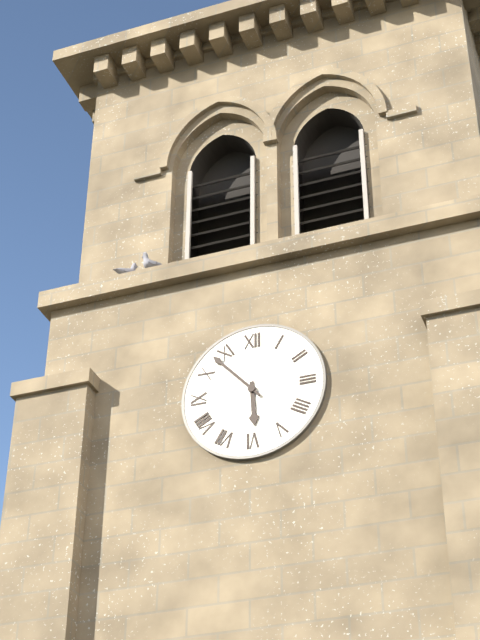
5:53
